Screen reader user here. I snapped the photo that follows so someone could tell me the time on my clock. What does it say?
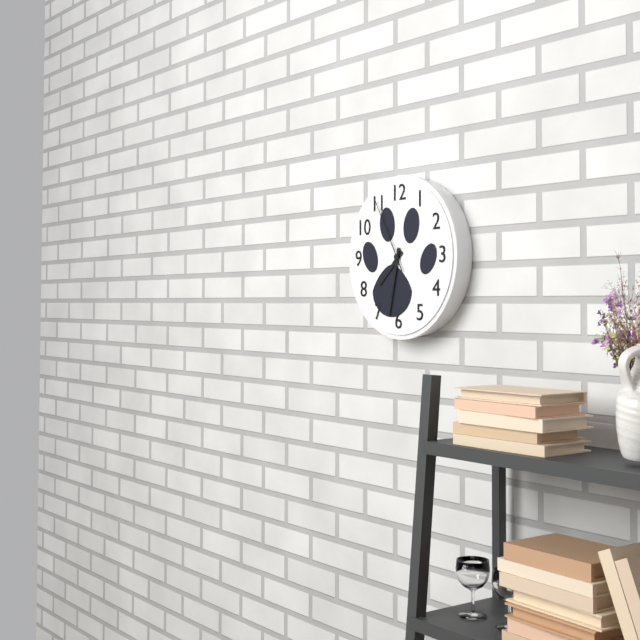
7:32:55
